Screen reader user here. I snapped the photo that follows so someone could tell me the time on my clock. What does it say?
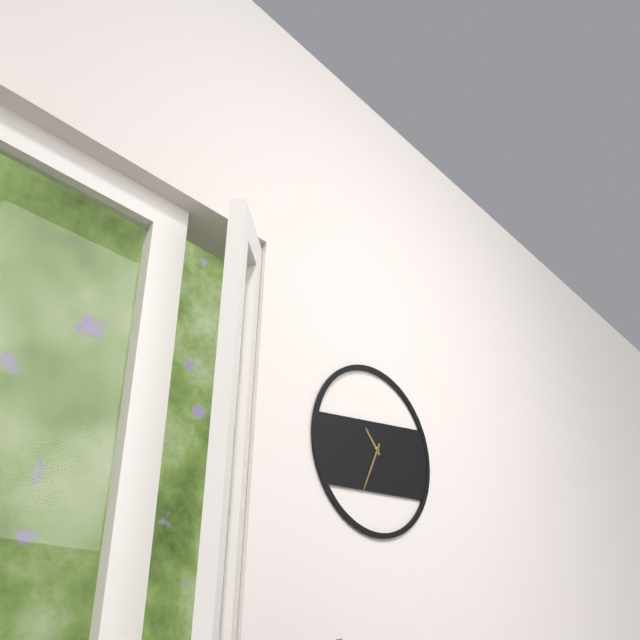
10:34
